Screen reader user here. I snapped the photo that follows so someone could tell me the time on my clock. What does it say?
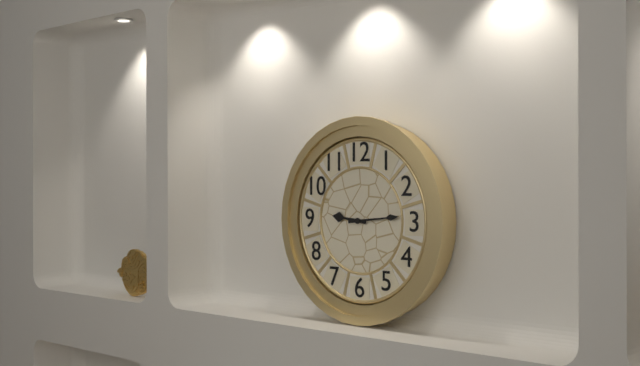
9:14
